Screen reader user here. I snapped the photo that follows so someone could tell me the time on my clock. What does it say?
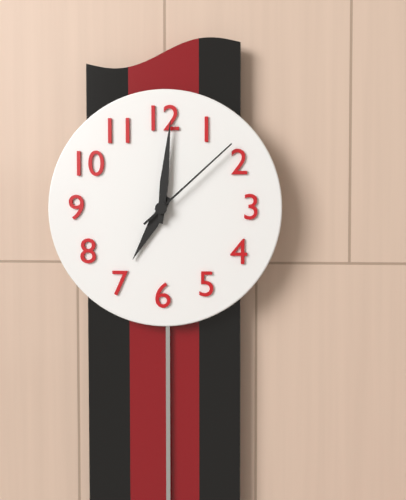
7:01:08
